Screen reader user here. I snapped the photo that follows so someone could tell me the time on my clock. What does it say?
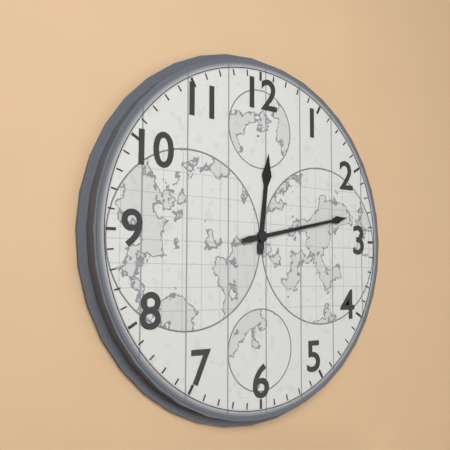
12:13
